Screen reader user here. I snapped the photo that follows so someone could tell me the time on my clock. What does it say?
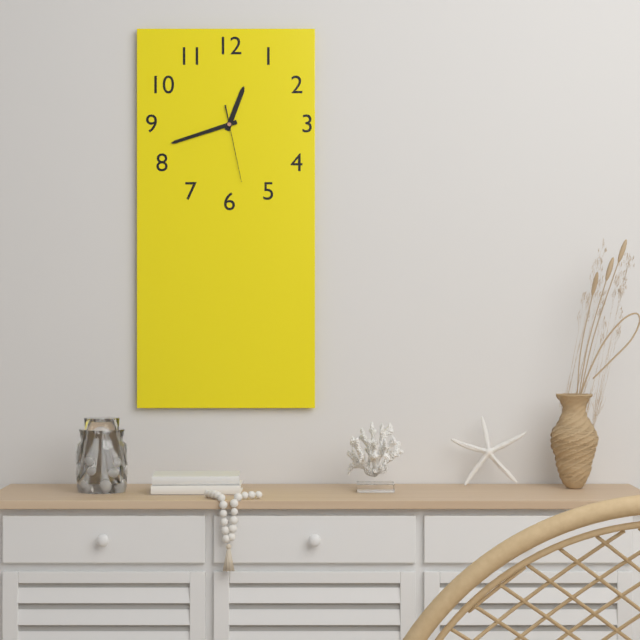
12:42:28
